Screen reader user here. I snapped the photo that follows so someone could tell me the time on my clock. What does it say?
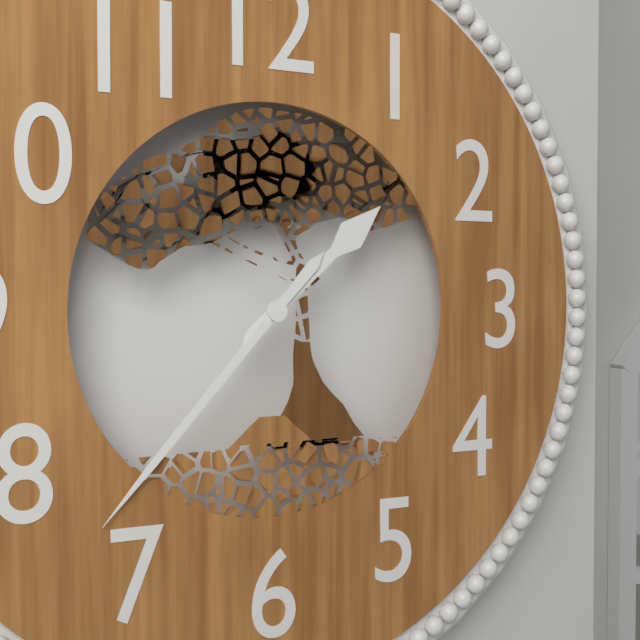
1:37
